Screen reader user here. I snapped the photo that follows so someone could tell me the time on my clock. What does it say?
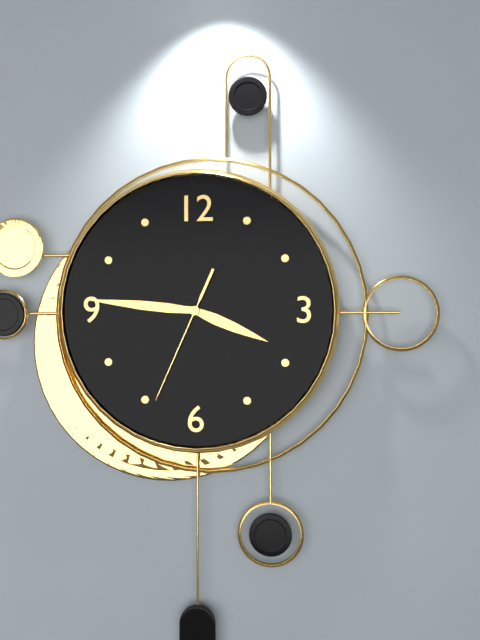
3:46:34
